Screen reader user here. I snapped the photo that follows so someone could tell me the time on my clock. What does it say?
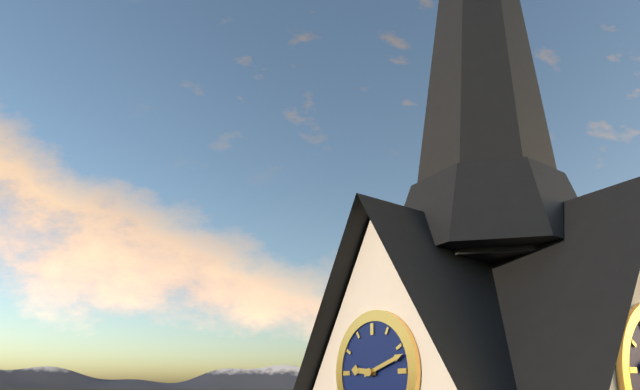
9:12
